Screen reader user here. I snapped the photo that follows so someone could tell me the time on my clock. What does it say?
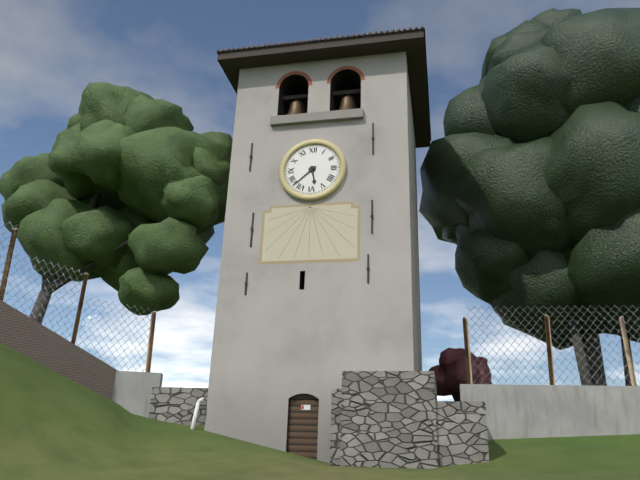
5:38
